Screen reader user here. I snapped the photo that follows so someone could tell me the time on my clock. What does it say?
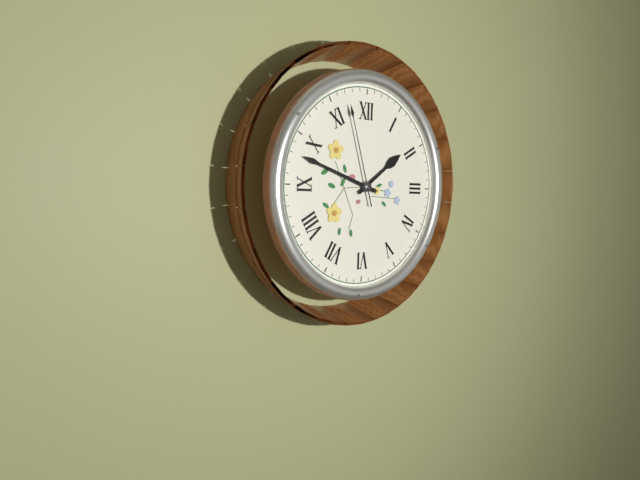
1:48:57
